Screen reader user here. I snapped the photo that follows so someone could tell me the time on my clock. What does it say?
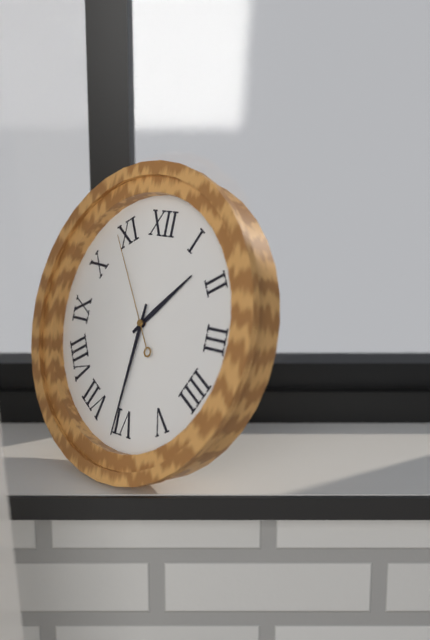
1:31:54
